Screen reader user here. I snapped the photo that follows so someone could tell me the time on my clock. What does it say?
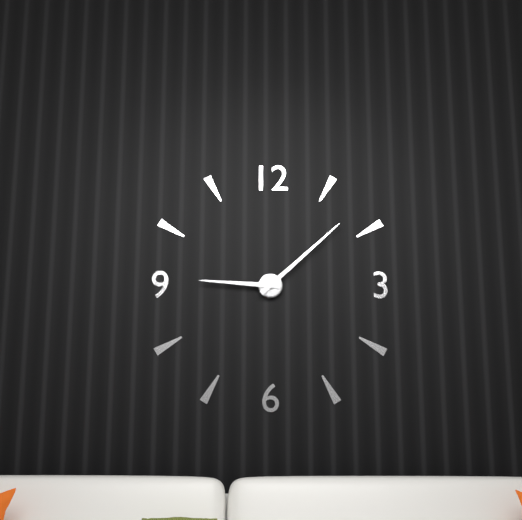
9:08
